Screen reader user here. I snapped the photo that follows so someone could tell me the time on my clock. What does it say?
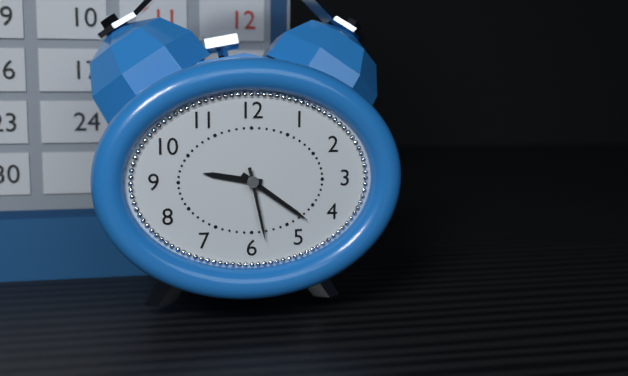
9:21:28
